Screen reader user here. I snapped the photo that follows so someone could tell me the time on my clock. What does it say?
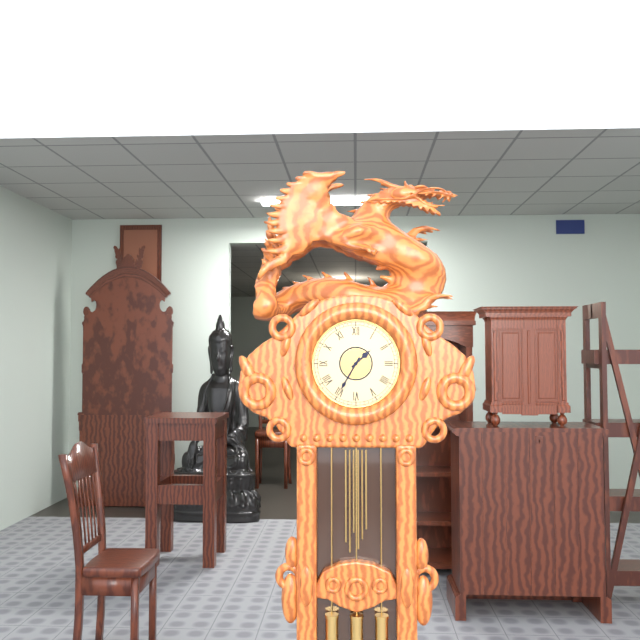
1:35
